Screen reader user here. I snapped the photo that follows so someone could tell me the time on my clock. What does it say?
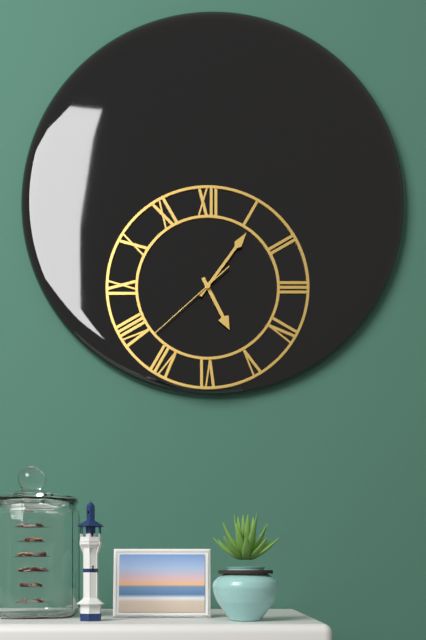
5:06:38
